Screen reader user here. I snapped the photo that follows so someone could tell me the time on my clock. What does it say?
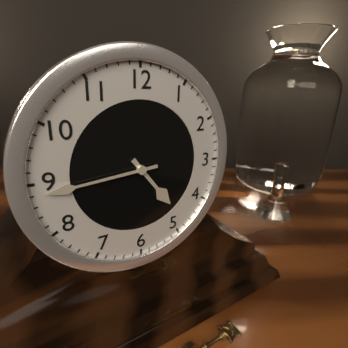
4:44
